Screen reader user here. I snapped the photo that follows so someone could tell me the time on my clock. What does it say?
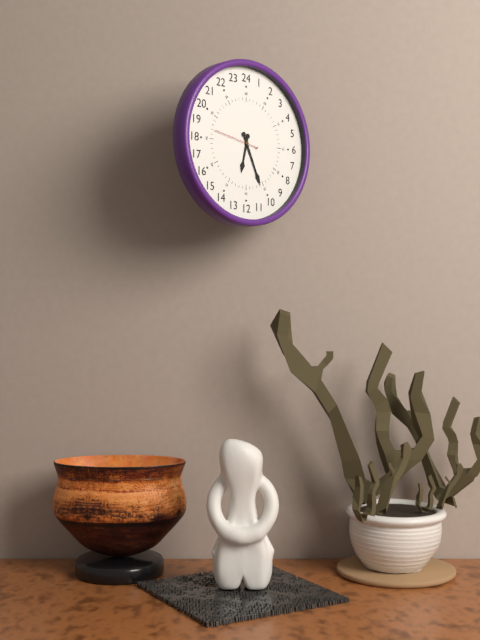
6:26
